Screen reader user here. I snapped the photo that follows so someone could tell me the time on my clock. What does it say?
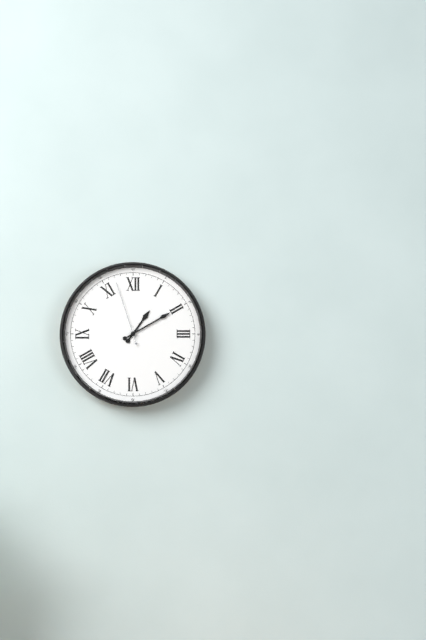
1:10:57
